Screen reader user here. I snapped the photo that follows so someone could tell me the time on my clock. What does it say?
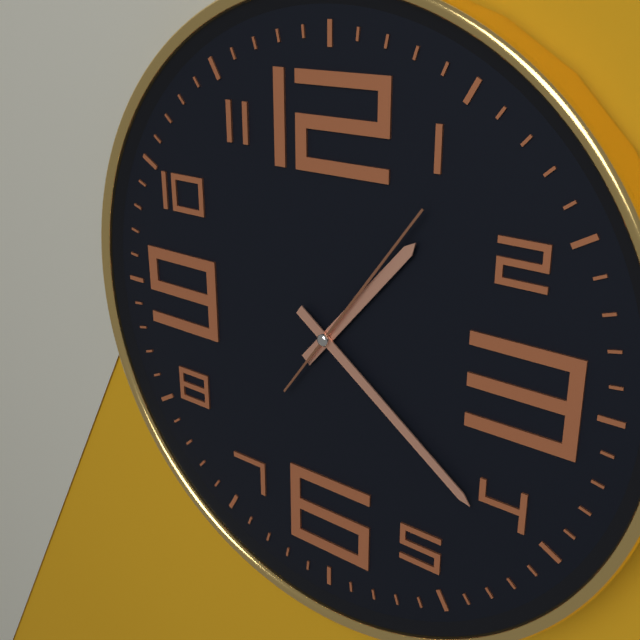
1:21:06
